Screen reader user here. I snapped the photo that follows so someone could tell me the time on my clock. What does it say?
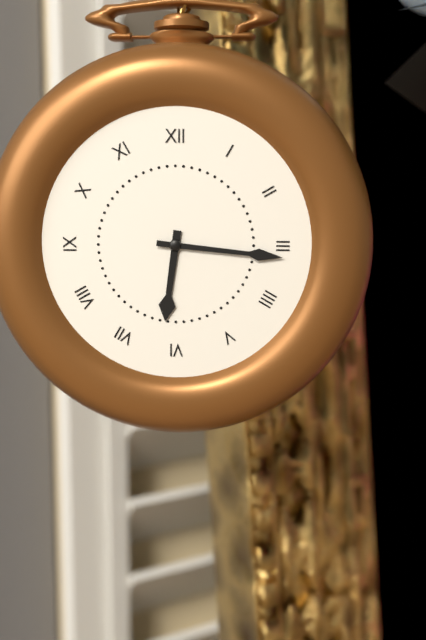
6:16
